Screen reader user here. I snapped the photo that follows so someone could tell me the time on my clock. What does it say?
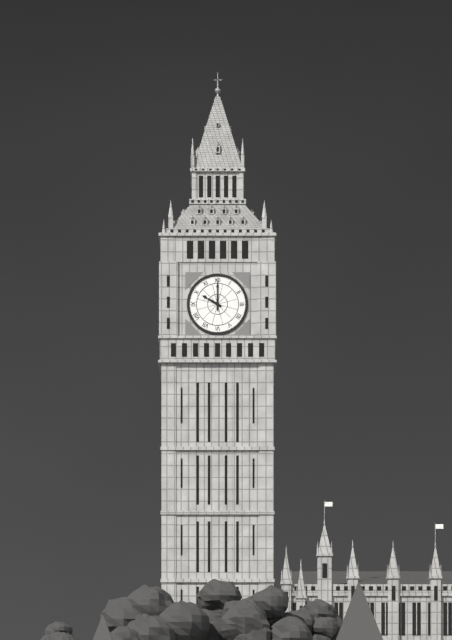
10:00
